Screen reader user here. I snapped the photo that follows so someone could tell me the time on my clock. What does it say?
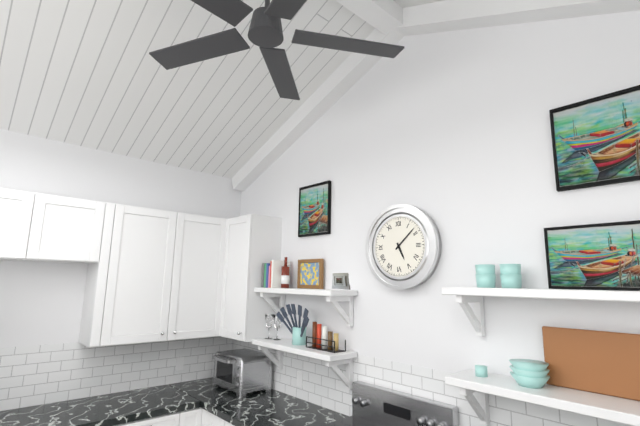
5:08
